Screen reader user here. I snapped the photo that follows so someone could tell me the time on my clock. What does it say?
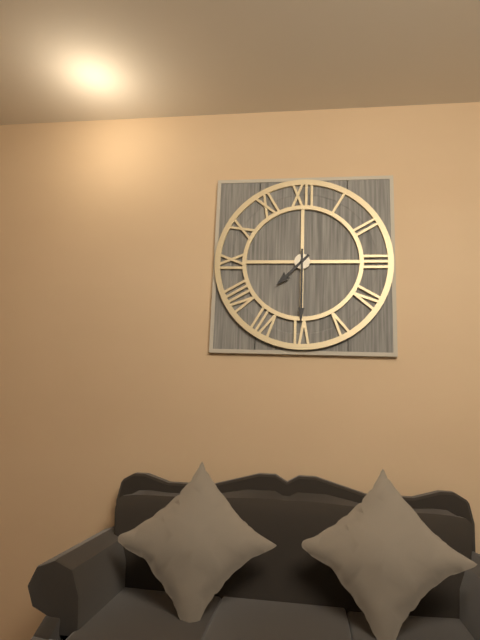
7:30
